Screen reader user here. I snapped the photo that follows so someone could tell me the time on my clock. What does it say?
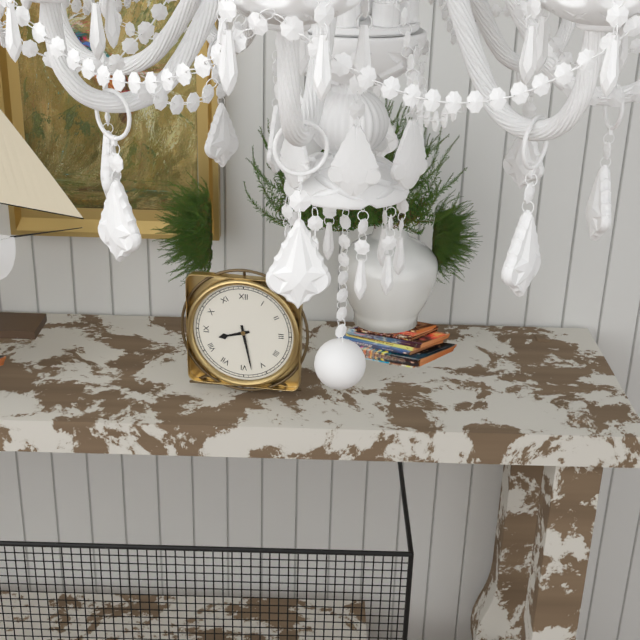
8:28
